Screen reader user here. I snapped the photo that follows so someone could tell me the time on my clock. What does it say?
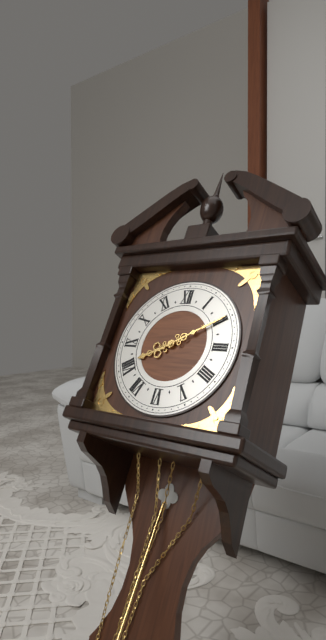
8:10
